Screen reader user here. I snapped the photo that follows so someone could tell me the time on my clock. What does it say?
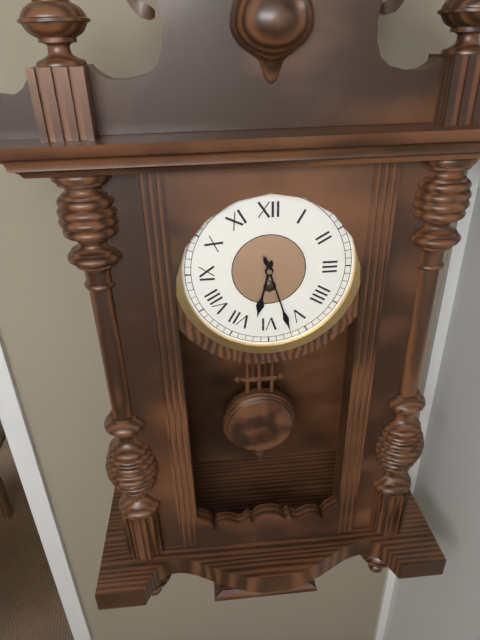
6:27
